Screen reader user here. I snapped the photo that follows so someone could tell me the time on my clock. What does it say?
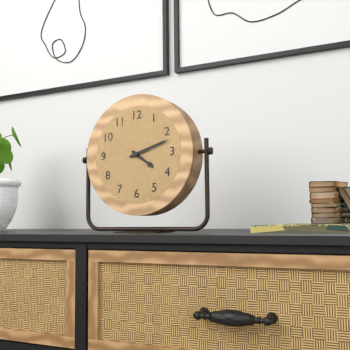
4:12
